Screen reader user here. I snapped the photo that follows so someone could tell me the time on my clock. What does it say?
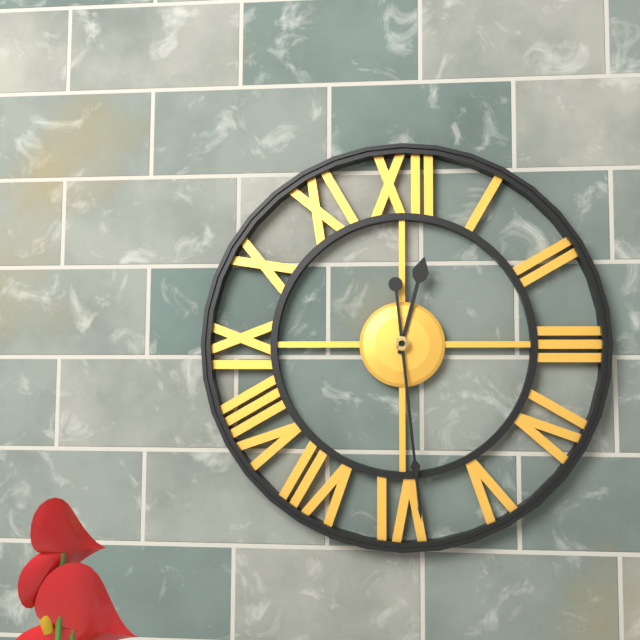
12:29
